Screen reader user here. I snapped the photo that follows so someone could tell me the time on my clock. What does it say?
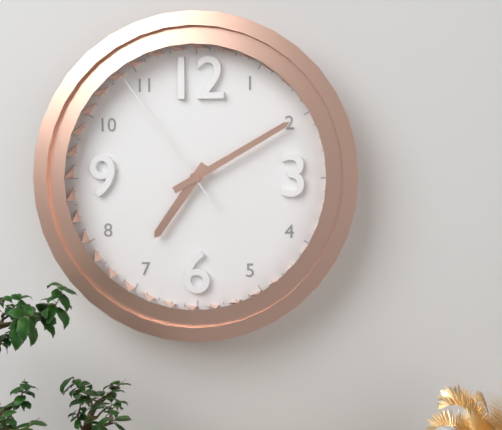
7:10:54
